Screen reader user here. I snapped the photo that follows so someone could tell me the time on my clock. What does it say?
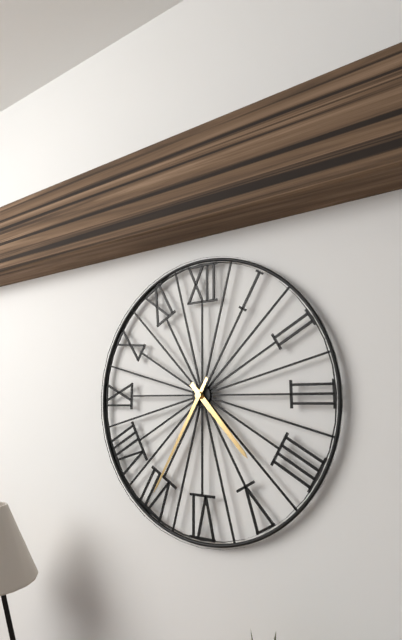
4:35
